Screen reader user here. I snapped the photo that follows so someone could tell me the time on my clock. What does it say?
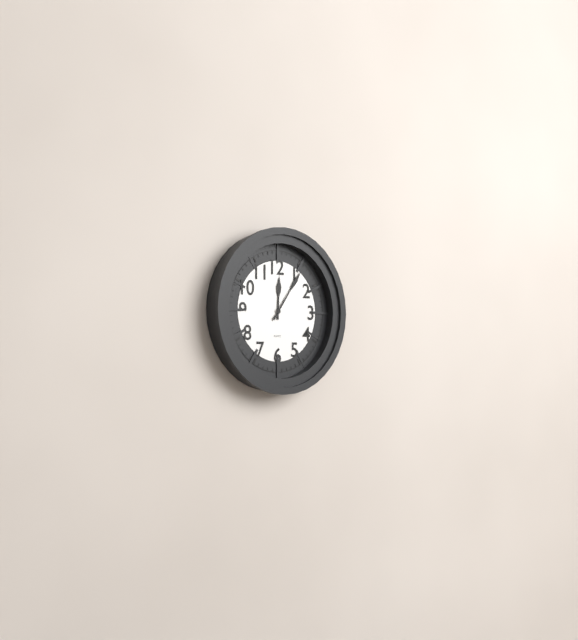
12:06
